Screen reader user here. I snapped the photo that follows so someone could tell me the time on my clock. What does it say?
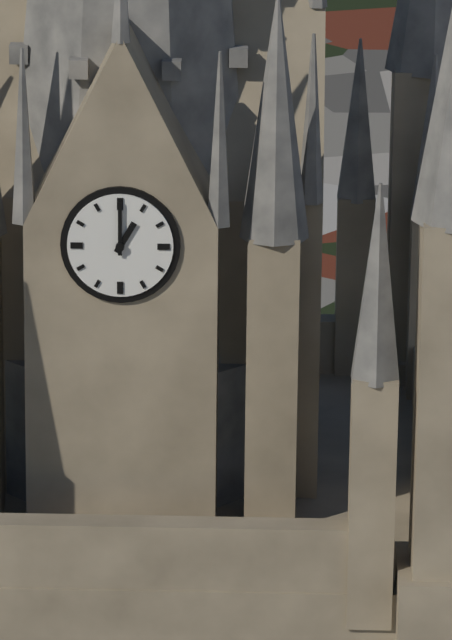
1:00
